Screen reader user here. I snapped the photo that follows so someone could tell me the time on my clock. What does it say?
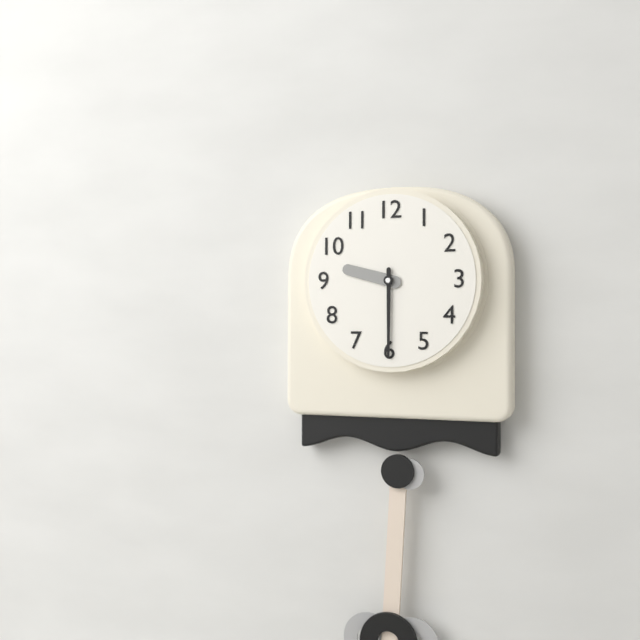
9:30
